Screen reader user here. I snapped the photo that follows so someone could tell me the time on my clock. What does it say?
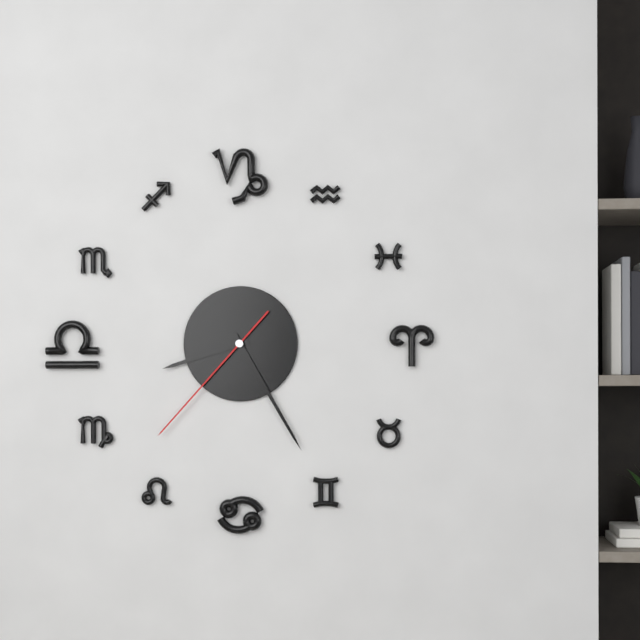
8:25:37
